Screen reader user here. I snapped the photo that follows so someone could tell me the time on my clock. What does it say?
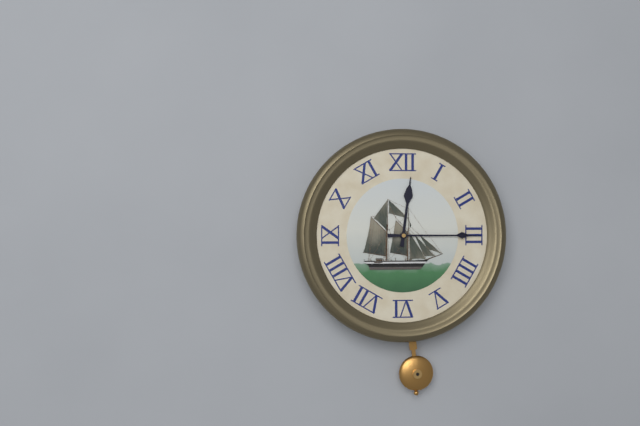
12:15
